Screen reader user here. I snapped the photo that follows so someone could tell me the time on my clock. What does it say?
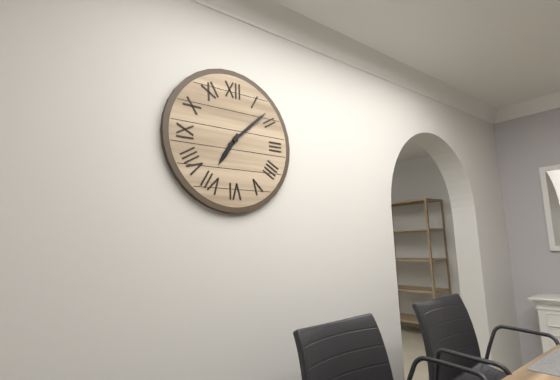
7:08
